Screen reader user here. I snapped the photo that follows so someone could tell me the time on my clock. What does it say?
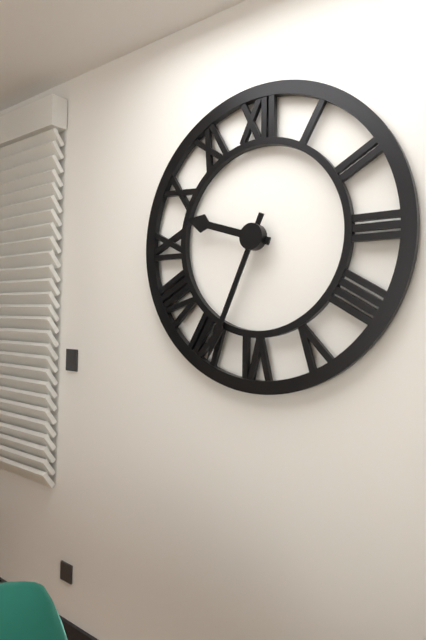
9:34
